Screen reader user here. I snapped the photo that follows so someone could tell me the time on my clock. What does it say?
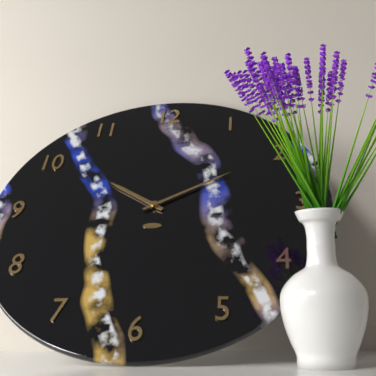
10:10
